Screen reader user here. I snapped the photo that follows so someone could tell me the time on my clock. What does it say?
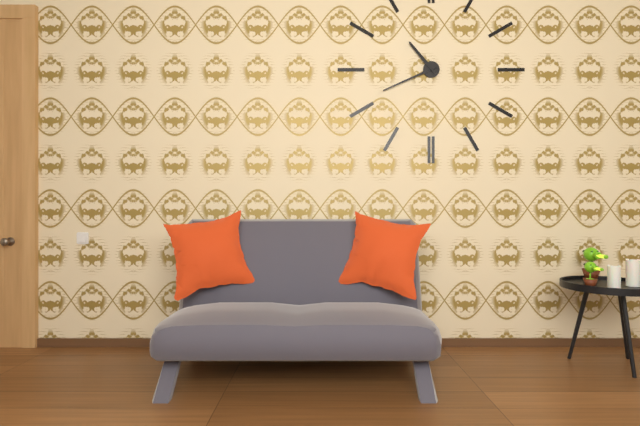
10:41
